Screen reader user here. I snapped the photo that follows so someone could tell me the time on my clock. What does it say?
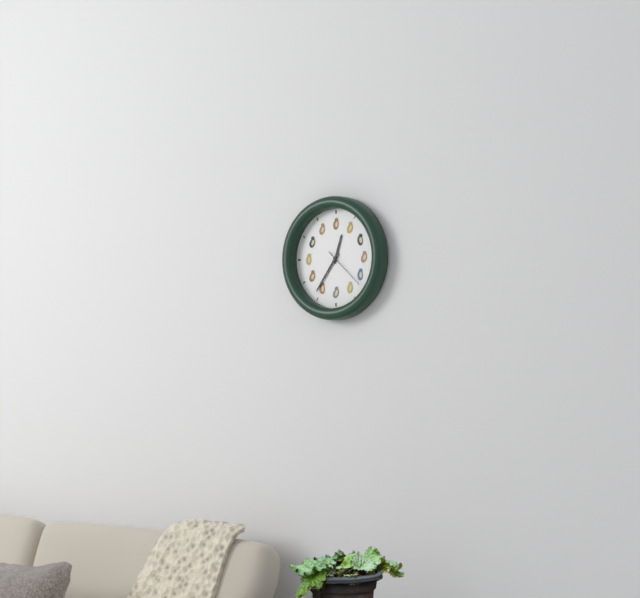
12:36
